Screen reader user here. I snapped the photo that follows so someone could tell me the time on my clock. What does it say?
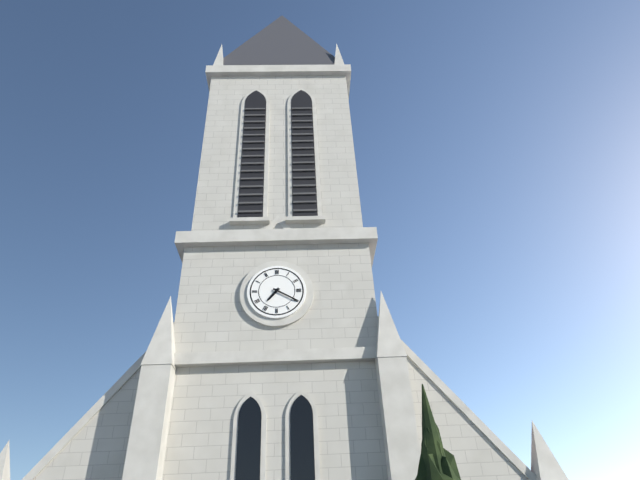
7:20
